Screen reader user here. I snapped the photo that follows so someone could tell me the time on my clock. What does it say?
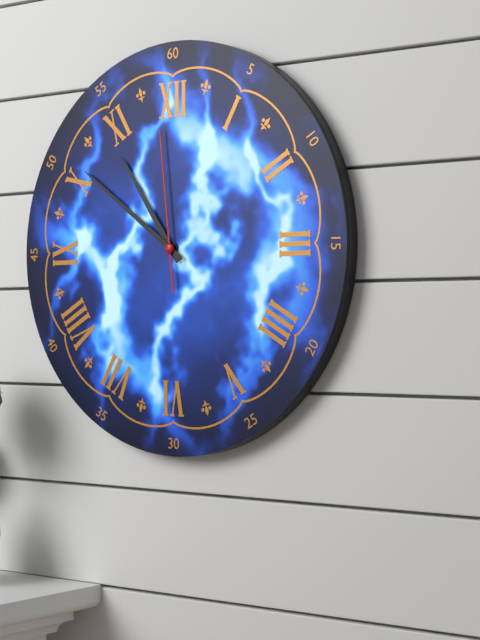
10:51:59
